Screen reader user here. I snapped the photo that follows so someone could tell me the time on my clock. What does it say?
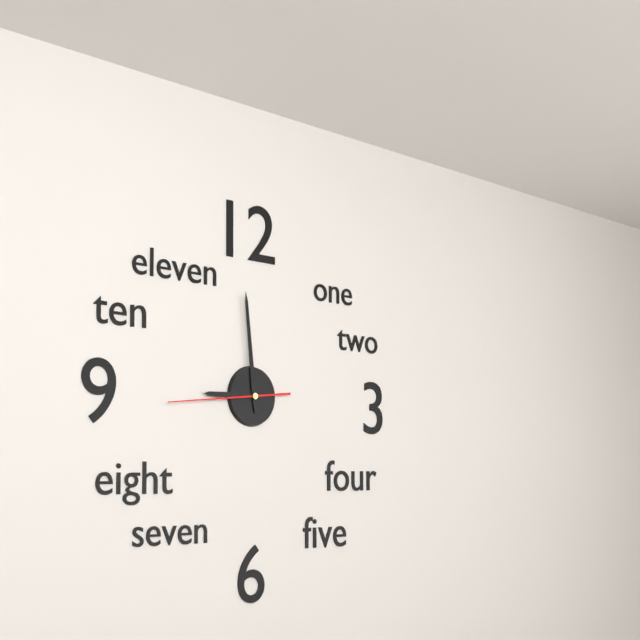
8:59:44
